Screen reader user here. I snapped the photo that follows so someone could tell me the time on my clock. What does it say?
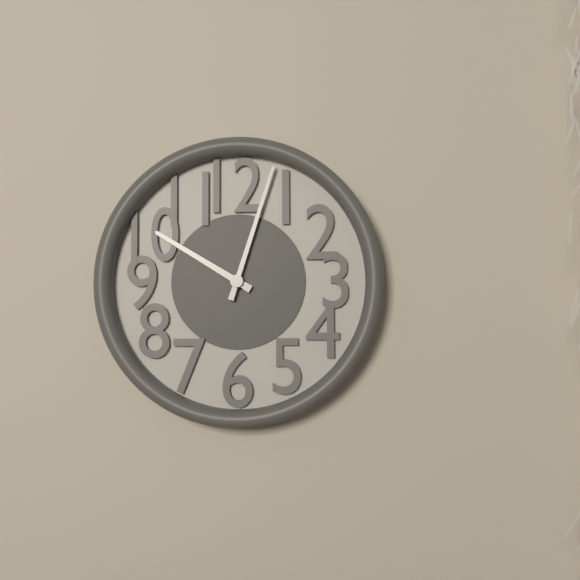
10:03
